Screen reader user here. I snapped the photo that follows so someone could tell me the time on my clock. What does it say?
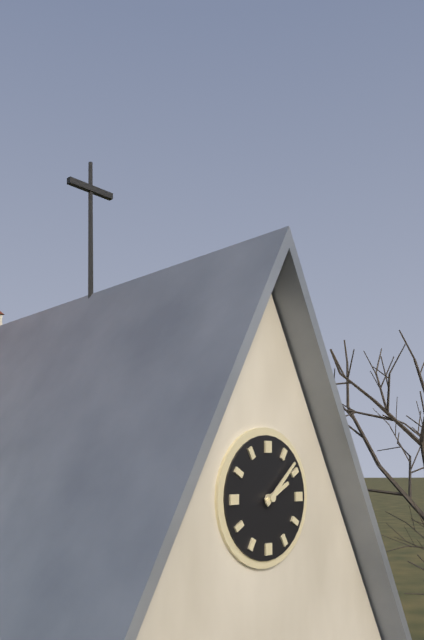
2:08
